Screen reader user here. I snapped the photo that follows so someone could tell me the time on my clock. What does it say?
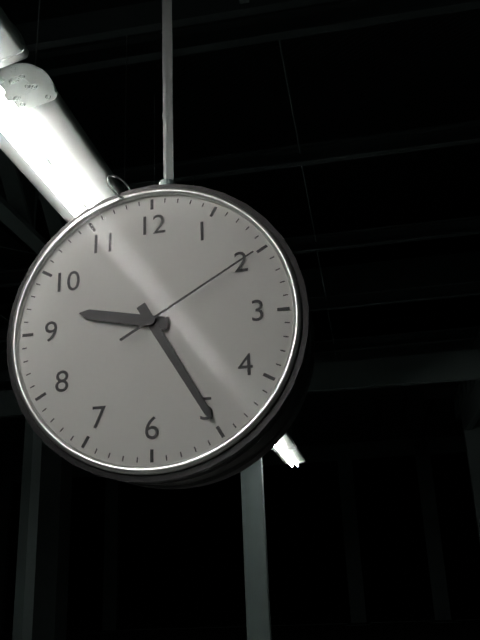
9:25:10
